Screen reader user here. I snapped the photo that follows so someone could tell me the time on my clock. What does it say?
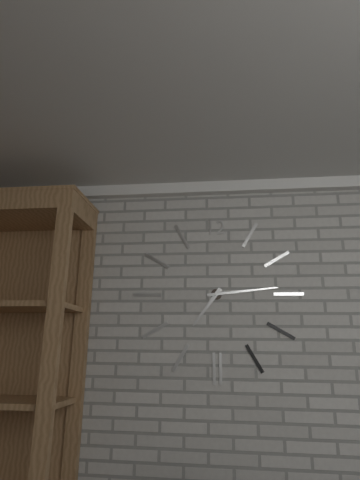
7:14
